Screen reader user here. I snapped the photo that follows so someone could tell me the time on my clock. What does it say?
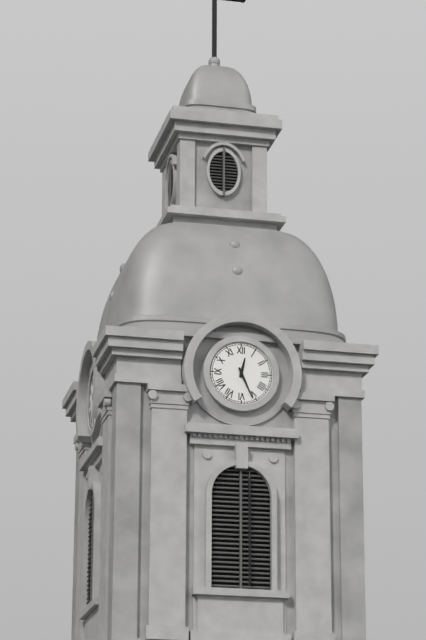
12:26
